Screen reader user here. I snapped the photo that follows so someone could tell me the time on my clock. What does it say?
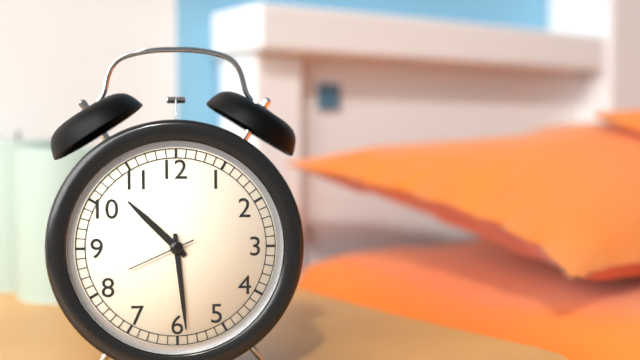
10:29:41
